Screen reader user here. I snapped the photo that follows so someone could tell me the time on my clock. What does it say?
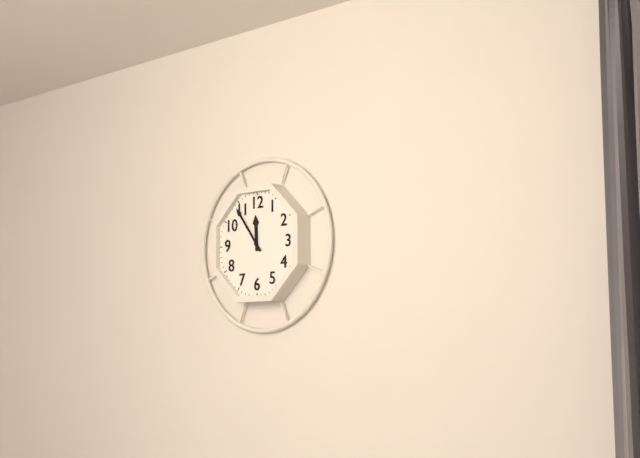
11:54
